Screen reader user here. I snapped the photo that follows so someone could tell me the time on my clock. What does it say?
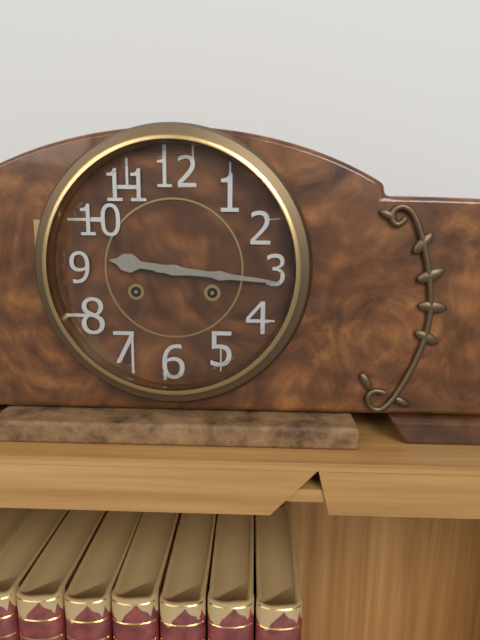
9:16
